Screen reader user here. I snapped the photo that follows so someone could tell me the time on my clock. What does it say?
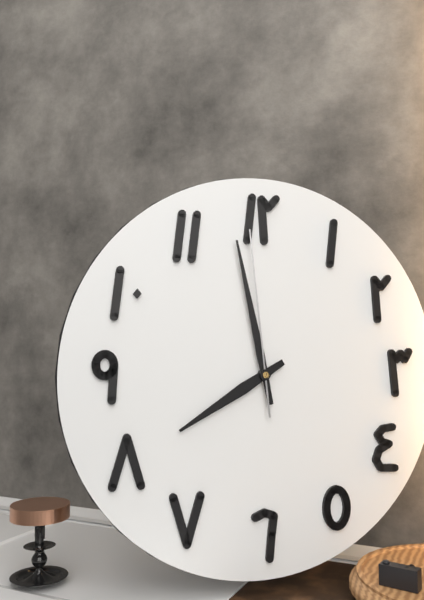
7:58:59
